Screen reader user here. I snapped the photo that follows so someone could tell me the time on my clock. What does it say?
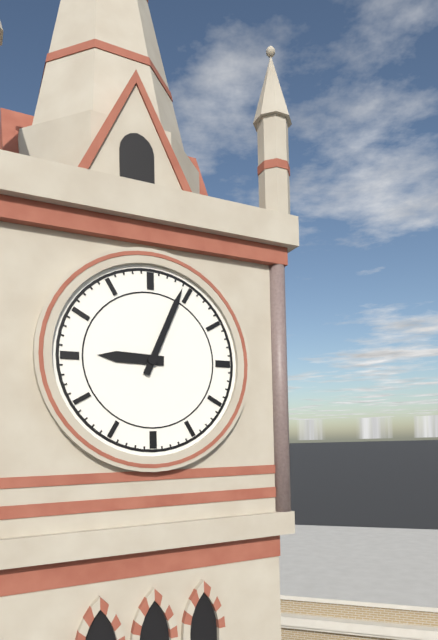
9:04
